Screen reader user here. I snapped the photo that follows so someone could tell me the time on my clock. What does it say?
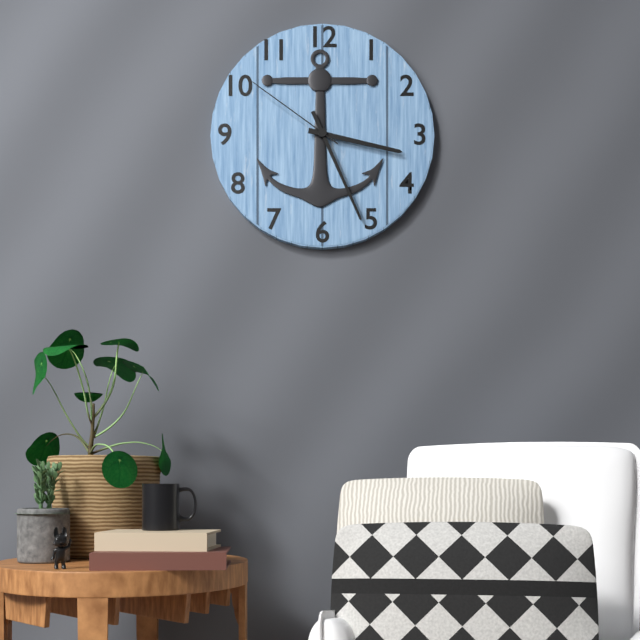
3:26:51
